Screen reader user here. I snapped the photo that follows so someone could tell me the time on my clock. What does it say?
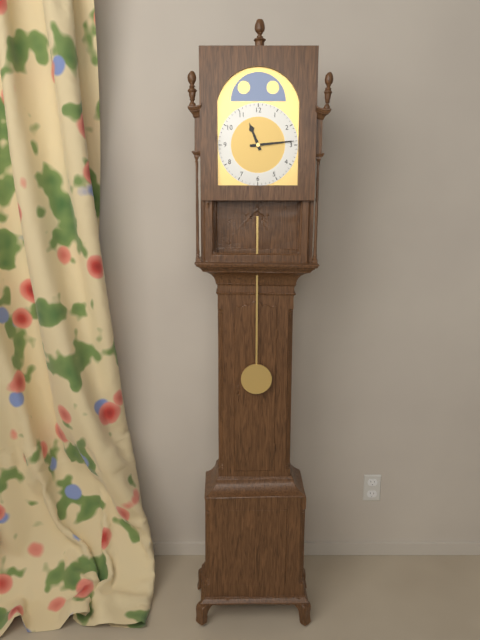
11:14
